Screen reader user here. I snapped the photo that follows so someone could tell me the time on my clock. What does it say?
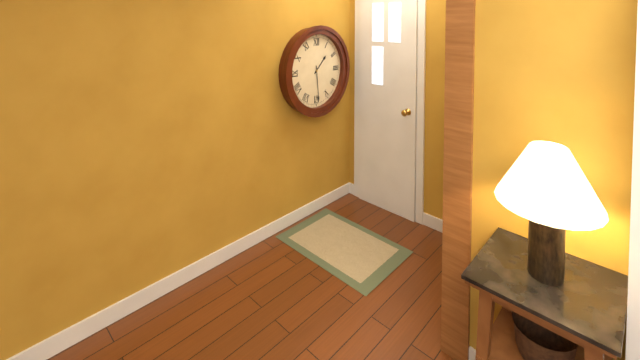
1:29
